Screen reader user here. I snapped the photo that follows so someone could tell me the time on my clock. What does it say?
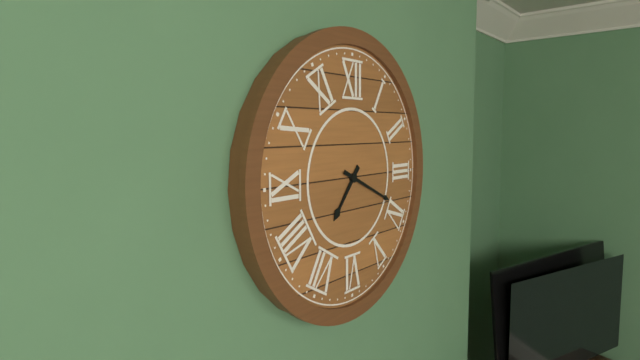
7:19
